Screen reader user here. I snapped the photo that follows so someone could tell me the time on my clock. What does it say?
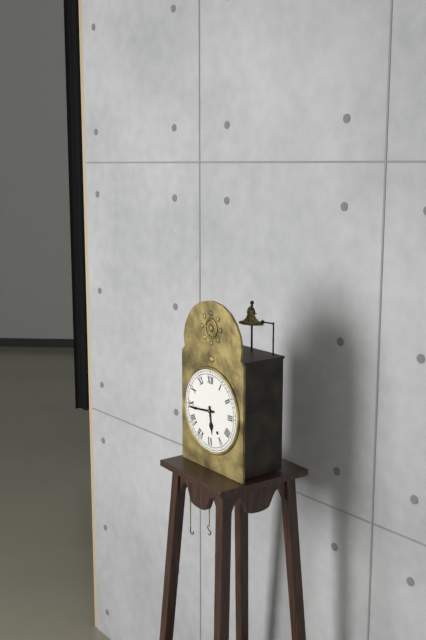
5:44
